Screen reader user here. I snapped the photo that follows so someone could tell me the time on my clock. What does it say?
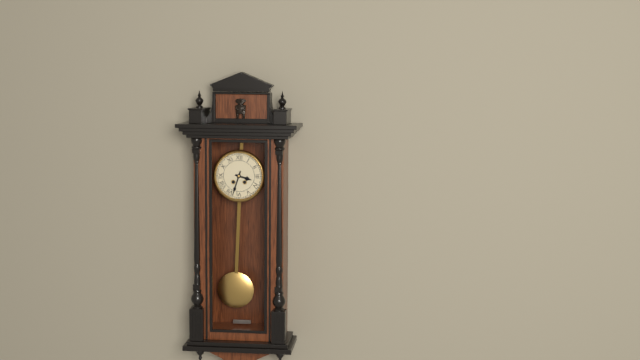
3:33
